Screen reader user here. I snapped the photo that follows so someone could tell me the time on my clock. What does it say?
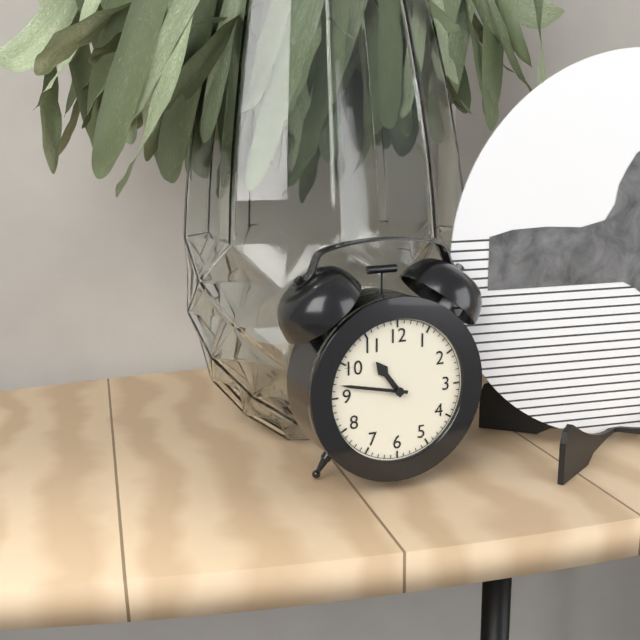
10:47
